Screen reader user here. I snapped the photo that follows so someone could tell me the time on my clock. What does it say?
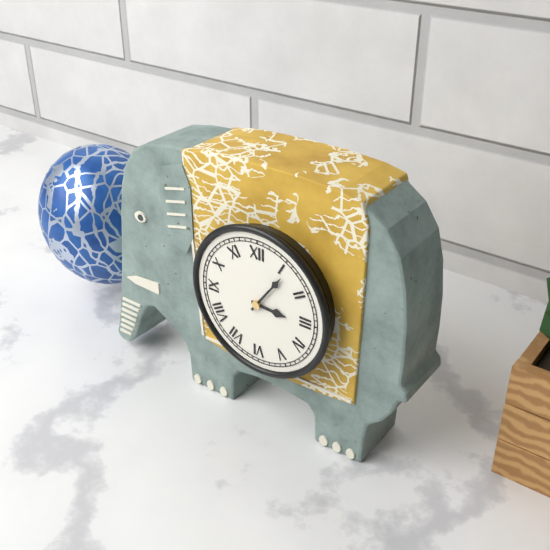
3:06
